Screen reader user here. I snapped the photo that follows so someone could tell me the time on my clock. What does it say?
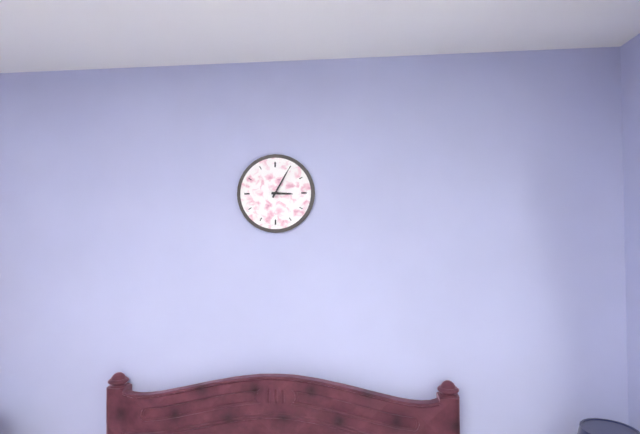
3:05
